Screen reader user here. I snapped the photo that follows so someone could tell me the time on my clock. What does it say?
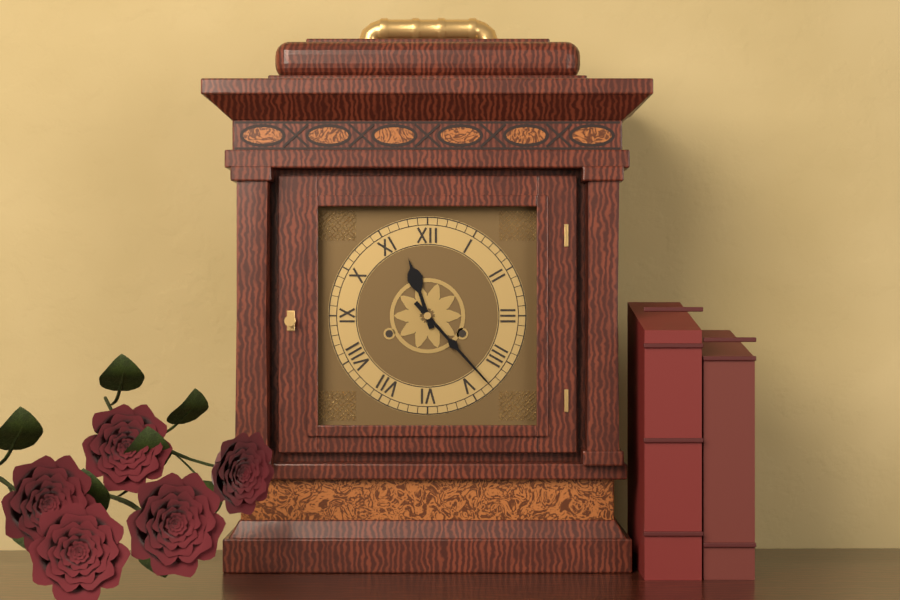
11:23
